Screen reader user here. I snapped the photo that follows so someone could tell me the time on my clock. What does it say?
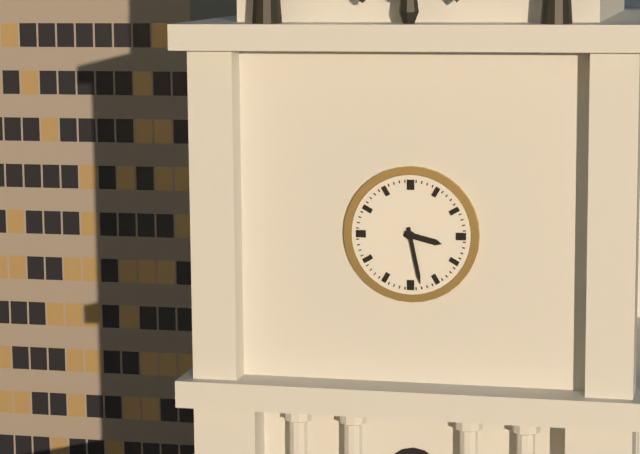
3:28
